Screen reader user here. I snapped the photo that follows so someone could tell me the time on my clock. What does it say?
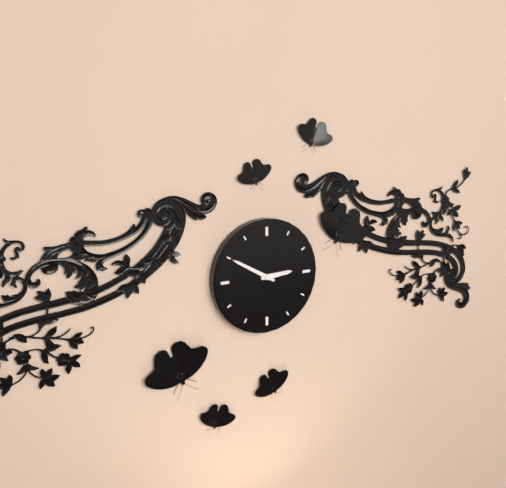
2:50
